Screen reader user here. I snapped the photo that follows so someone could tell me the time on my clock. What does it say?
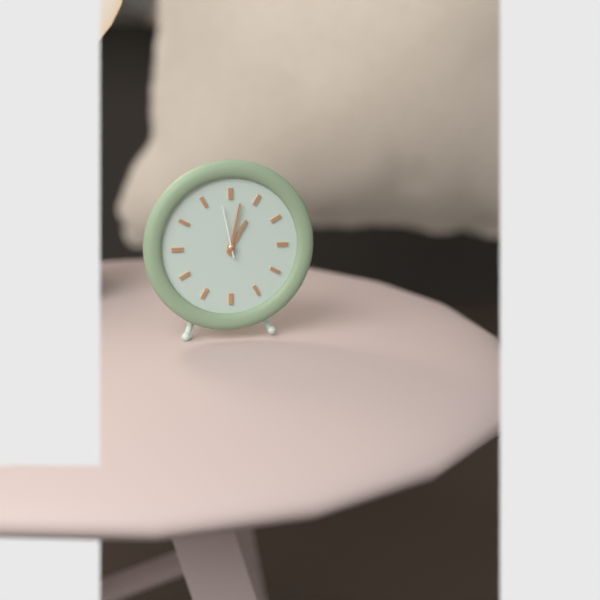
1:02:58
